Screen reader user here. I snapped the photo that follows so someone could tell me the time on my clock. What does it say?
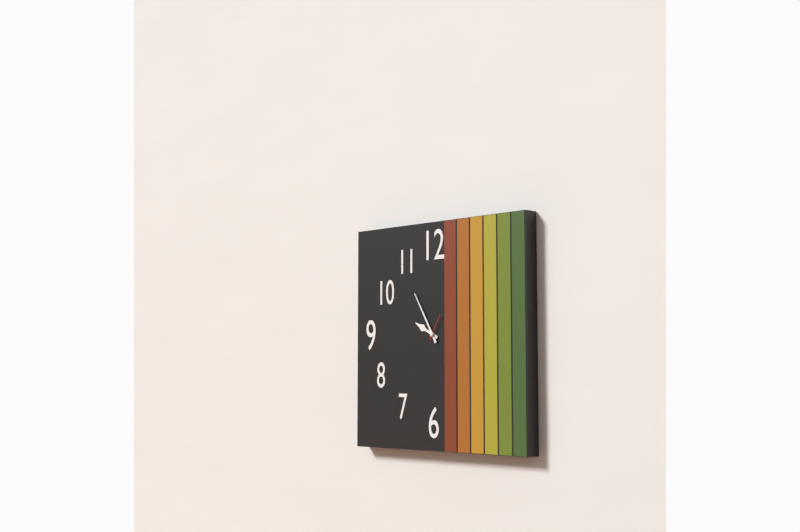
9:55
